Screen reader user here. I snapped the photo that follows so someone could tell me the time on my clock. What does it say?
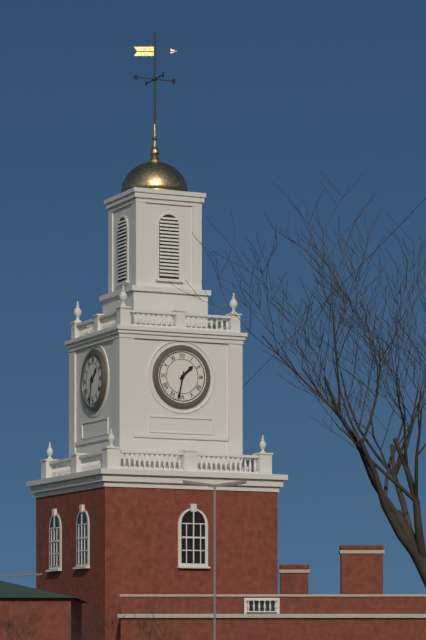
1:32
